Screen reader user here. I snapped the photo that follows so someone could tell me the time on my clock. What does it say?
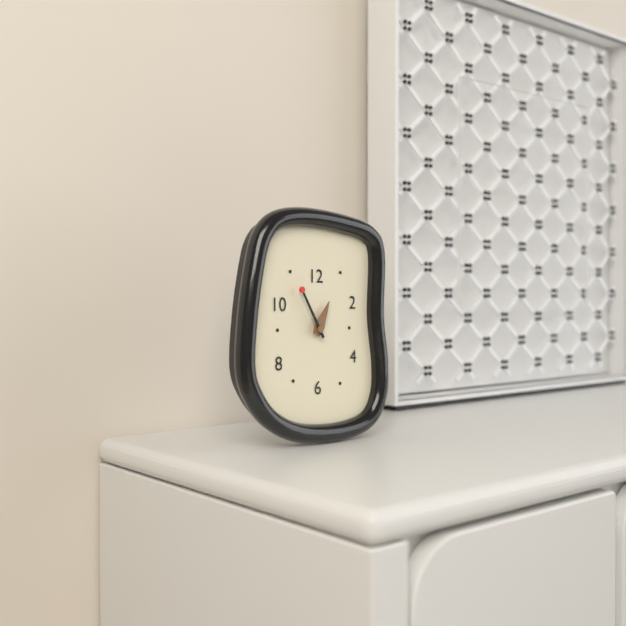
12:55
